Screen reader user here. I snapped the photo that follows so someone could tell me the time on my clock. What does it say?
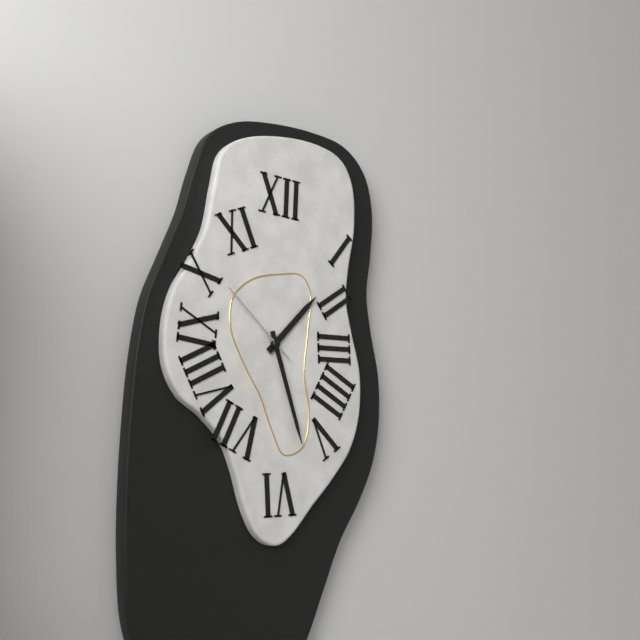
1:27:52
